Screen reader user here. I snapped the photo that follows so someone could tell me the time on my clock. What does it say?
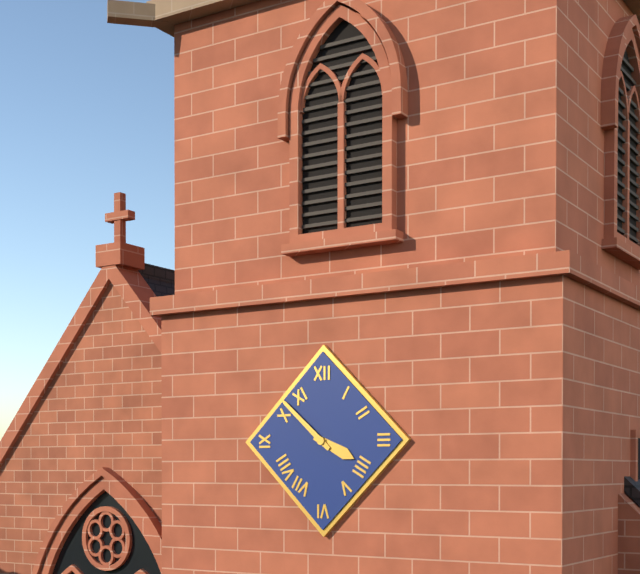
3:52
